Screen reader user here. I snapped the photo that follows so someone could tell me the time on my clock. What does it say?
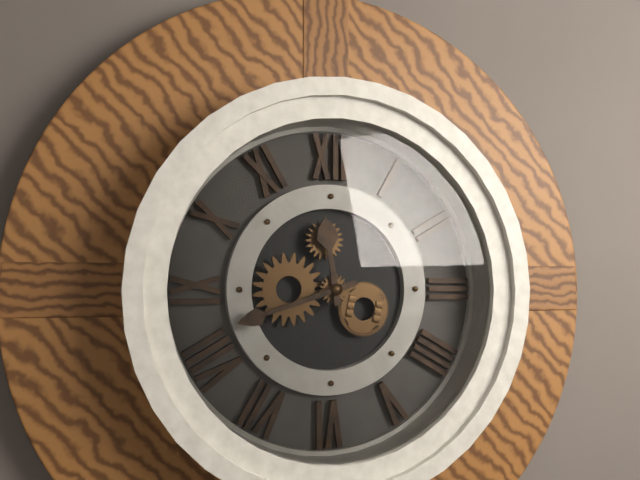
11:42
